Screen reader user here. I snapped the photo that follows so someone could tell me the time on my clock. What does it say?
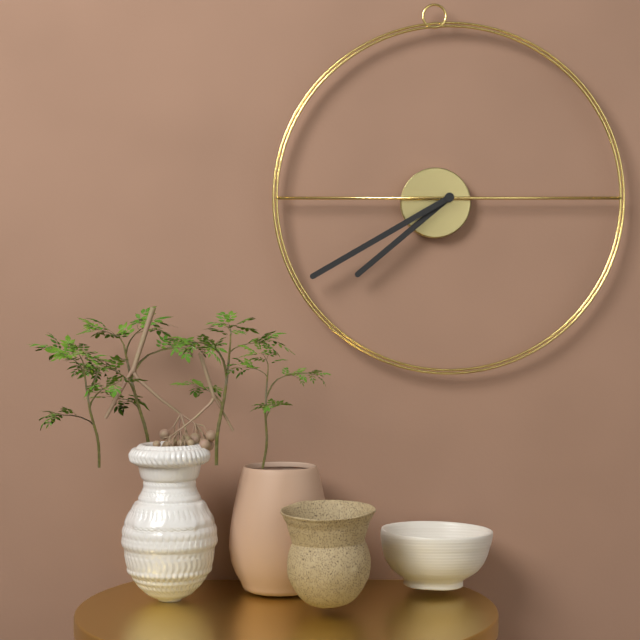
7:40
